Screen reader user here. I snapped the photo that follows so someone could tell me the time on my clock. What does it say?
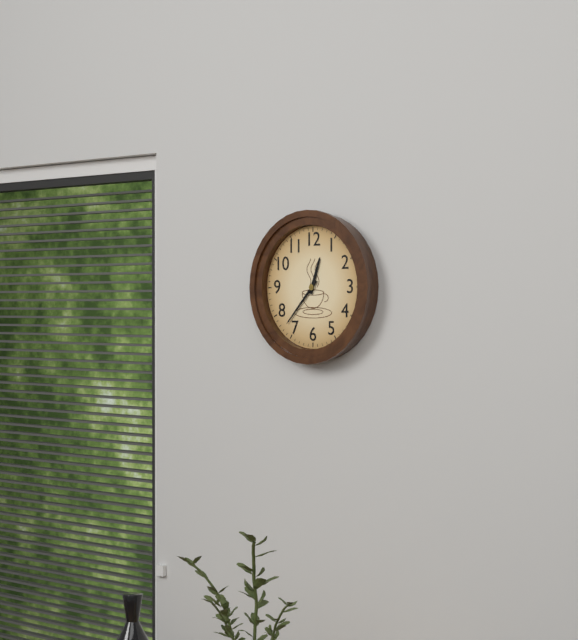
12:37
